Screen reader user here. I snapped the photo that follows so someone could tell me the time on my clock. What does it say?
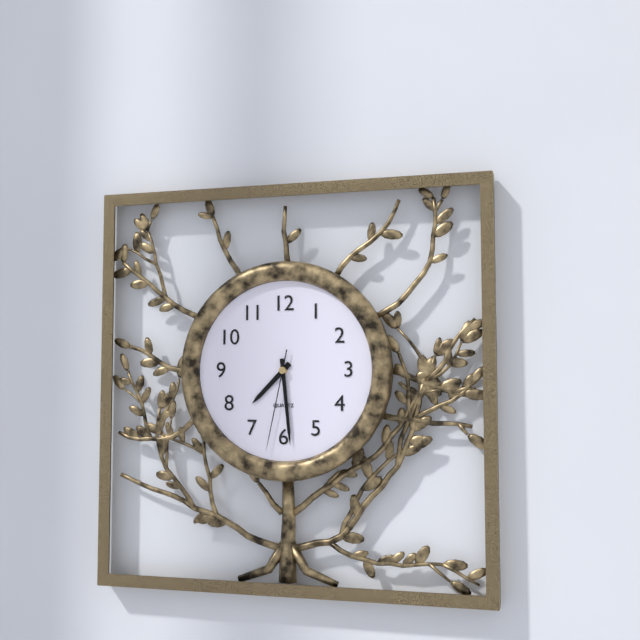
7:29:32
